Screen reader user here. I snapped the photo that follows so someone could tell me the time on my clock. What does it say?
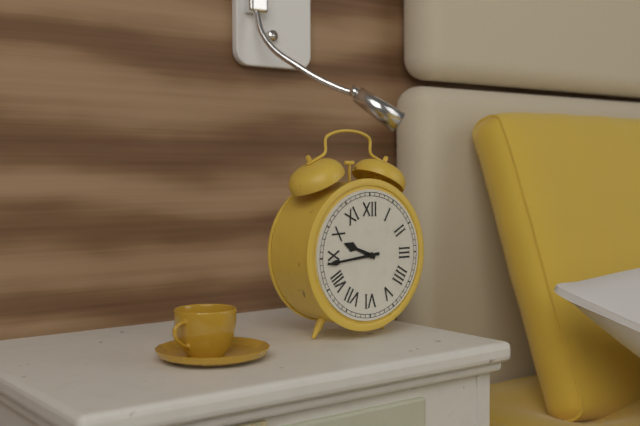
9:44
